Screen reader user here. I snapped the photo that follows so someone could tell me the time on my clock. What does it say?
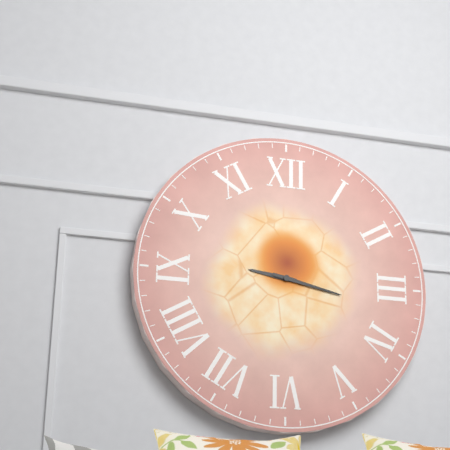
9:17
